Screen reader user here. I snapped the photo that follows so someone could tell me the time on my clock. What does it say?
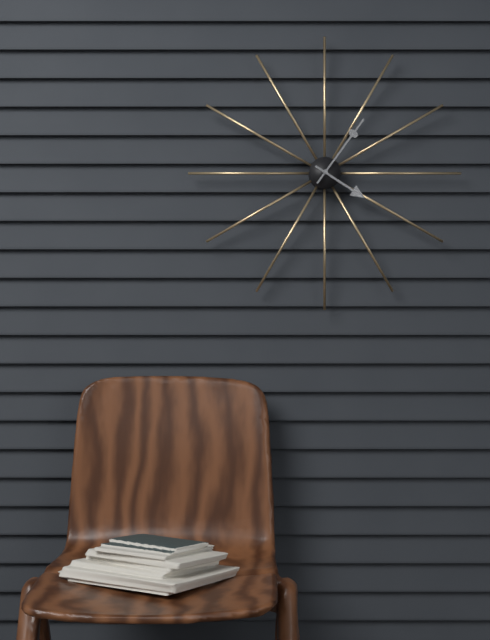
4:06
